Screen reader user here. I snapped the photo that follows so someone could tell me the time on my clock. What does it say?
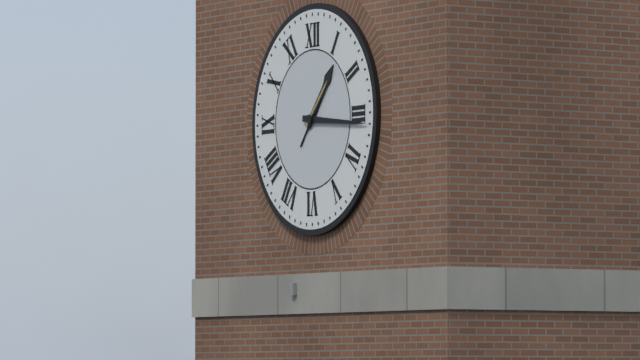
1:16:07
